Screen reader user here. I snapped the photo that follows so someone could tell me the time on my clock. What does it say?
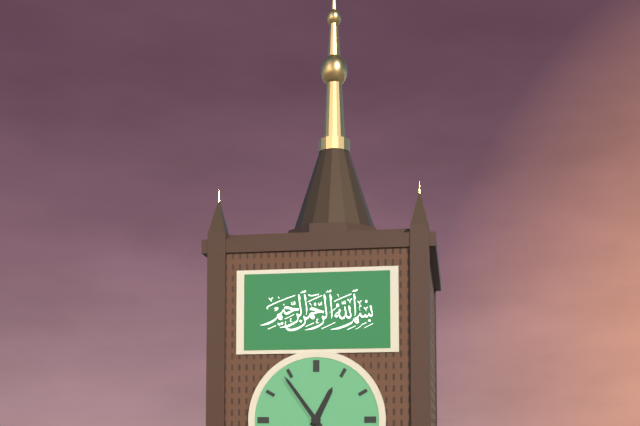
12:54
